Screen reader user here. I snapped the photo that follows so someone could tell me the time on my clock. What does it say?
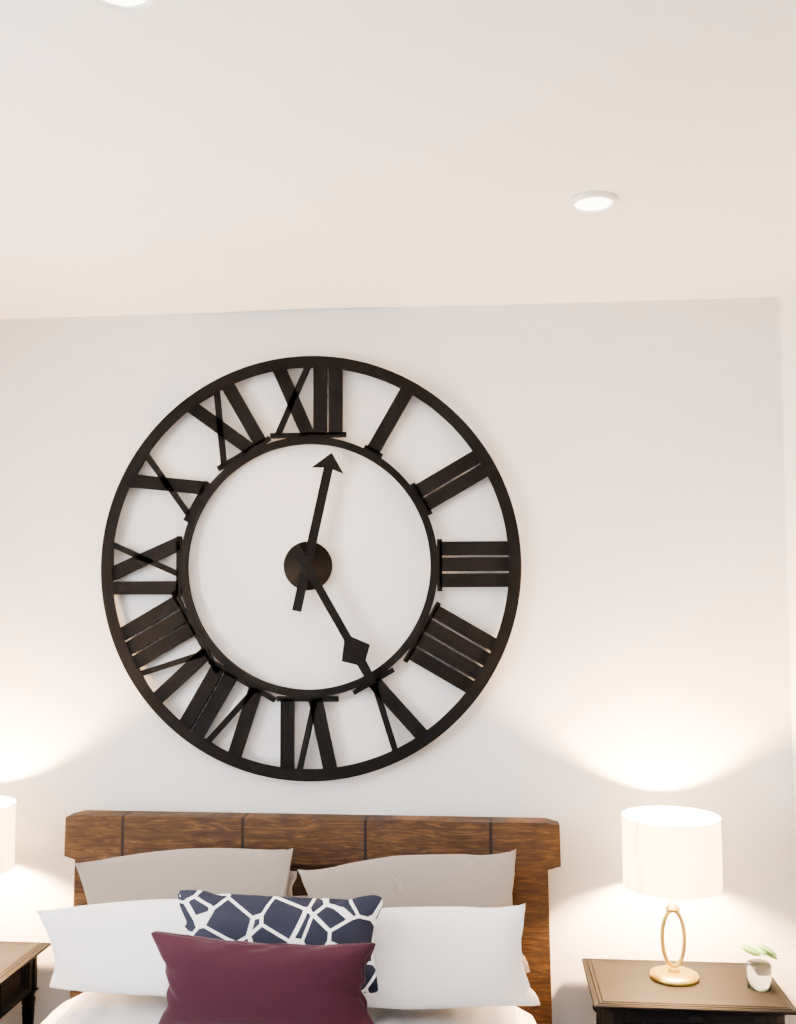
12:25
